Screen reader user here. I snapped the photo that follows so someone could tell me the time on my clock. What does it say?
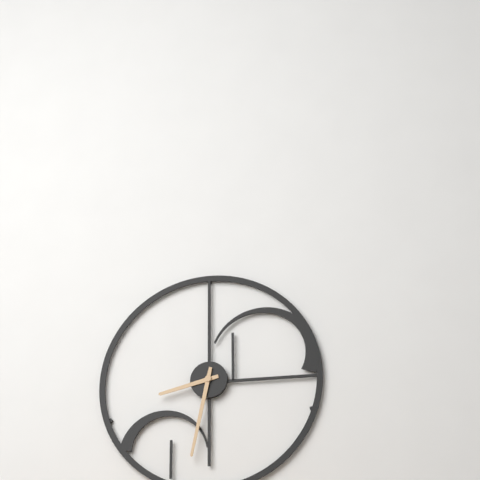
8:32
